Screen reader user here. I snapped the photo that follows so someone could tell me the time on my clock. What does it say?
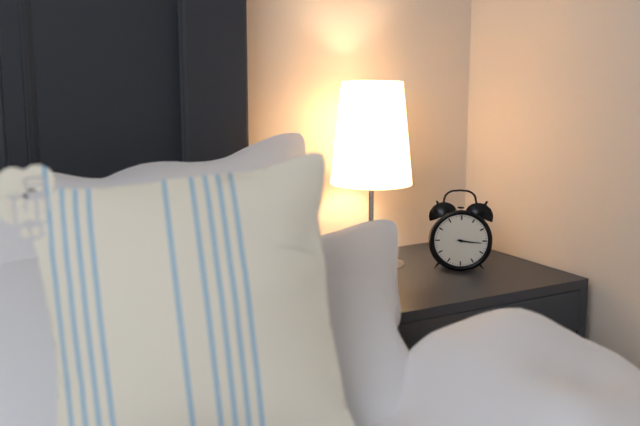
3:16
